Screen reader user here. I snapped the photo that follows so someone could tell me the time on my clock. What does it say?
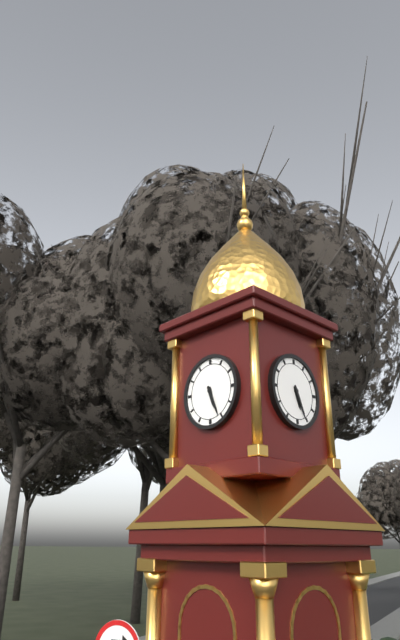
5:26
